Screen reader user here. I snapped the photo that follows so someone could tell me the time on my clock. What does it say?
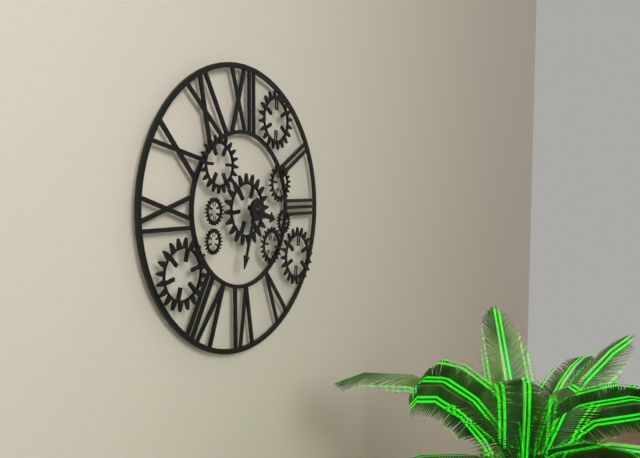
3:33
